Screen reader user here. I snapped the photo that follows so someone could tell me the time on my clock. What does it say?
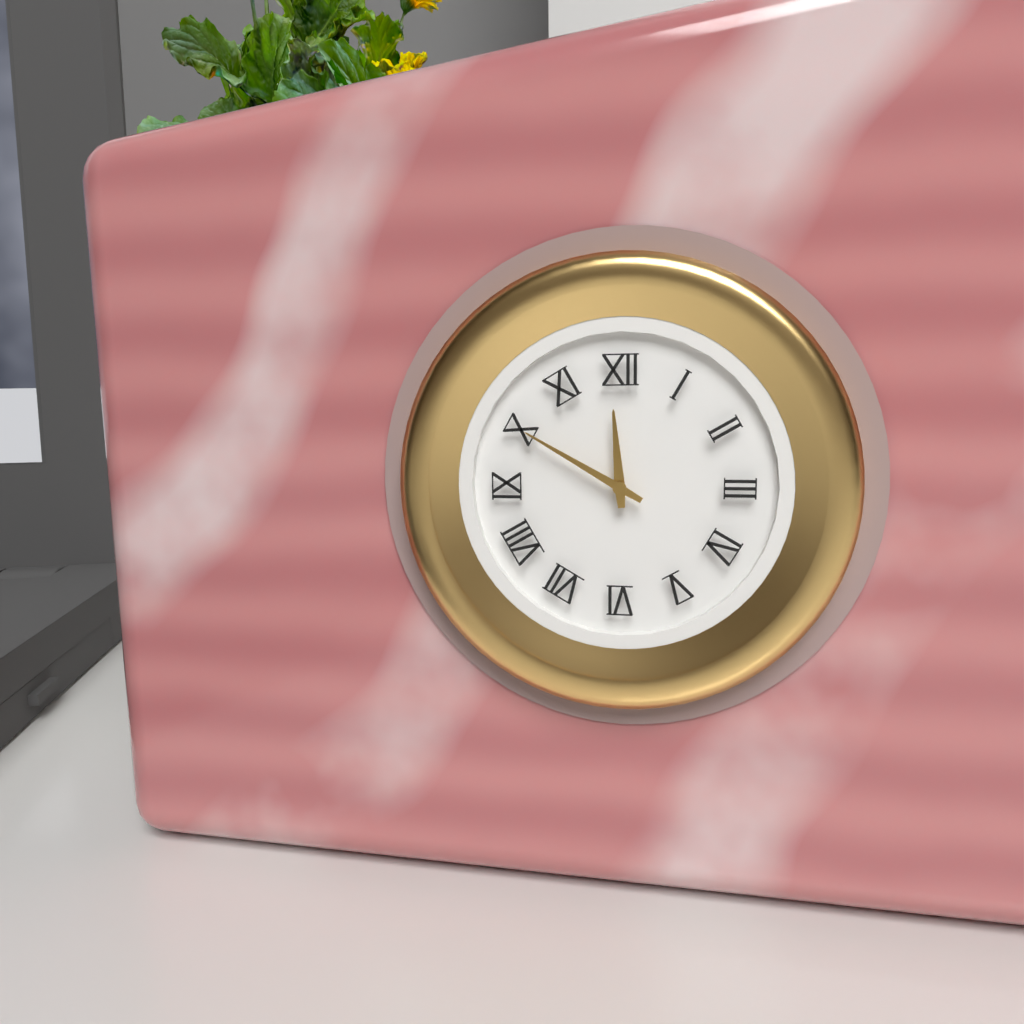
11:50
